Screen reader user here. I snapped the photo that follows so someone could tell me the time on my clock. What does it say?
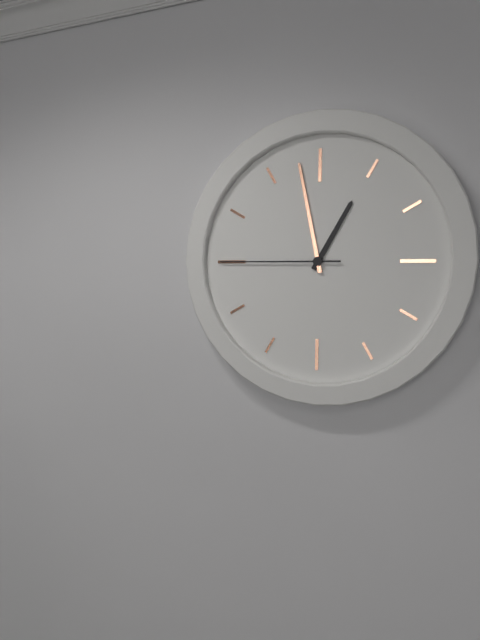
12:58:45
